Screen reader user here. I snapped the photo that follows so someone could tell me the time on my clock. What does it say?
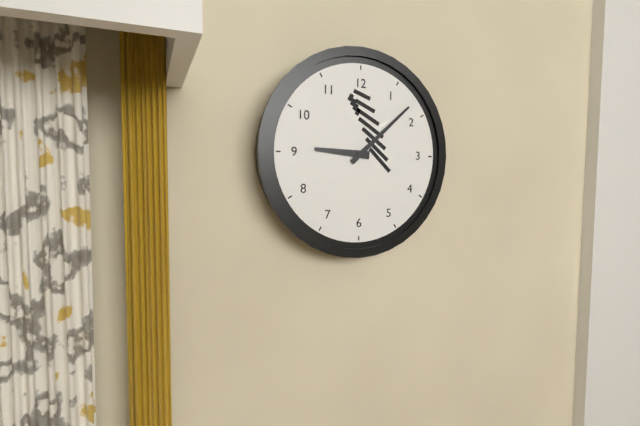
9:08
